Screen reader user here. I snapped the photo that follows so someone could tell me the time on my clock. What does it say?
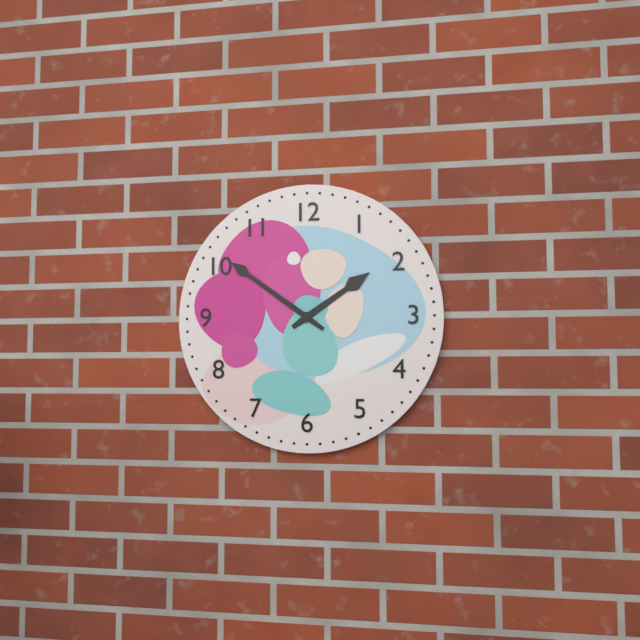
1:51
